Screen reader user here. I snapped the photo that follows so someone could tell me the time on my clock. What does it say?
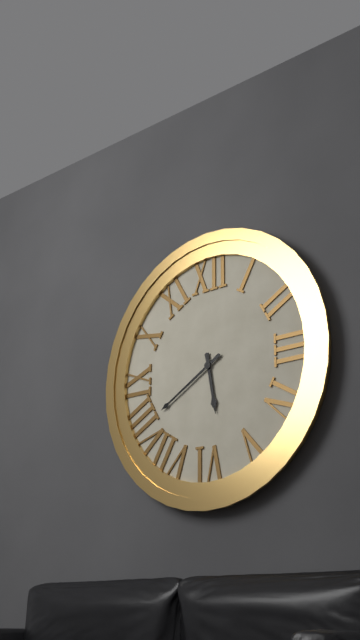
5:40
